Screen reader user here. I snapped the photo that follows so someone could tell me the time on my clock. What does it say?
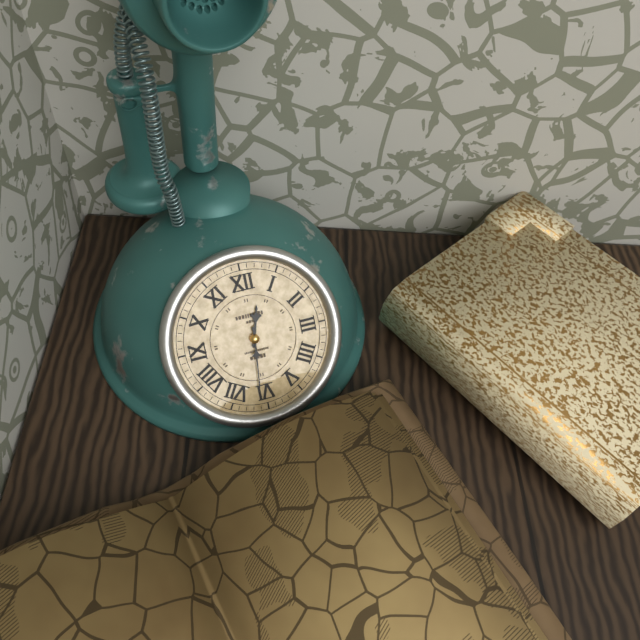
12:31
